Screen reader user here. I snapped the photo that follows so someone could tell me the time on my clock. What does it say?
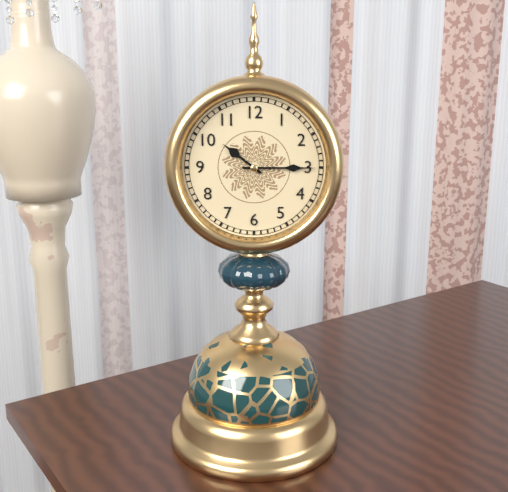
10:15
